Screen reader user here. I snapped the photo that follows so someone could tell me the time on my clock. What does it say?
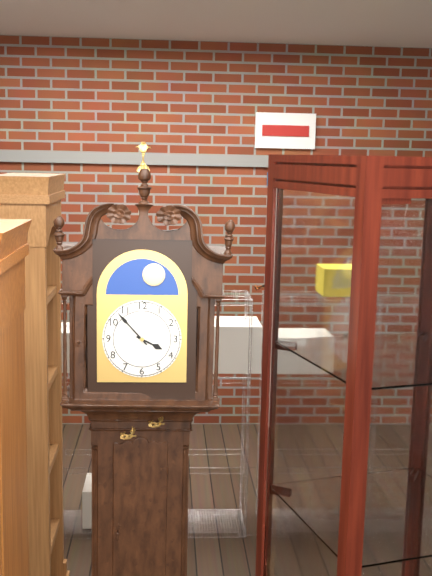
3:53
